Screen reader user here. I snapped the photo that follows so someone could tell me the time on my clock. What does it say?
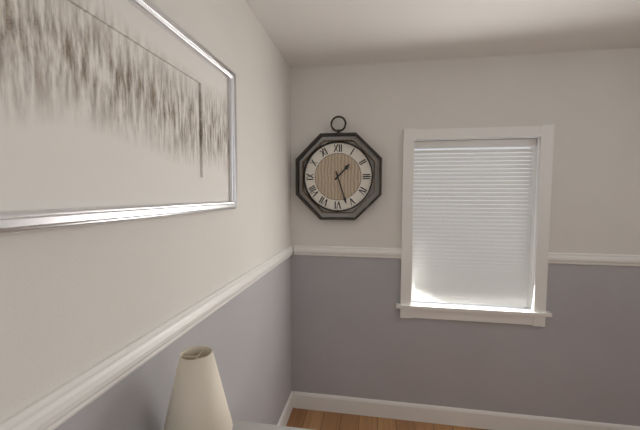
1:27
